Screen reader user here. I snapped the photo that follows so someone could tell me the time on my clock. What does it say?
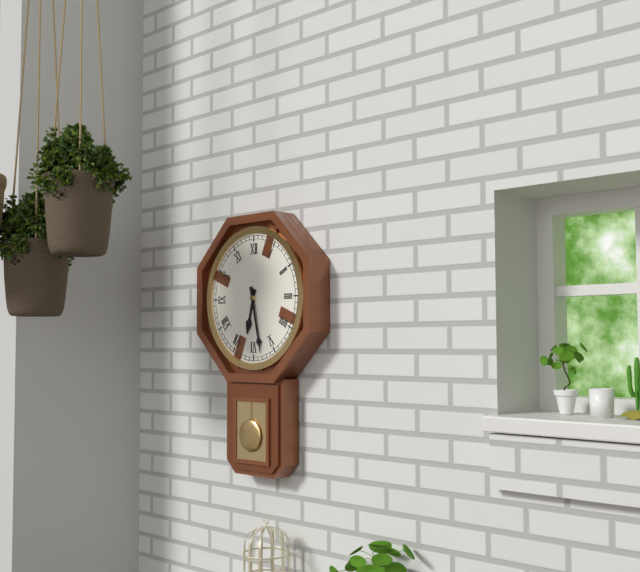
6:28
